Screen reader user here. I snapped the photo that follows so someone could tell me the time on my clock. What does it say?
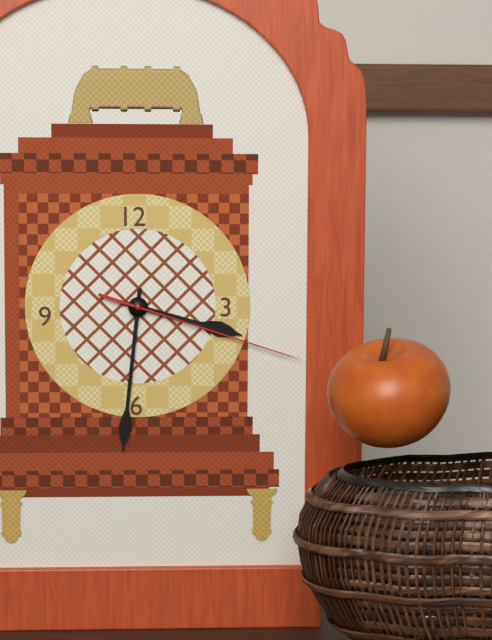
3:31:18
